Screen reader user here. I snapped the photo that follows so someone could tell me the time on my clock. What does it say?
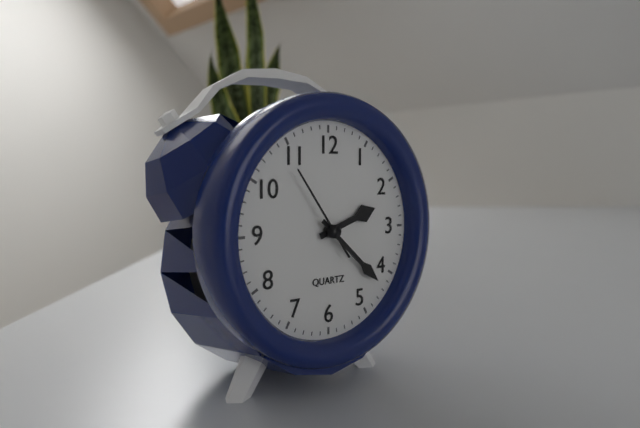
2:22:54
